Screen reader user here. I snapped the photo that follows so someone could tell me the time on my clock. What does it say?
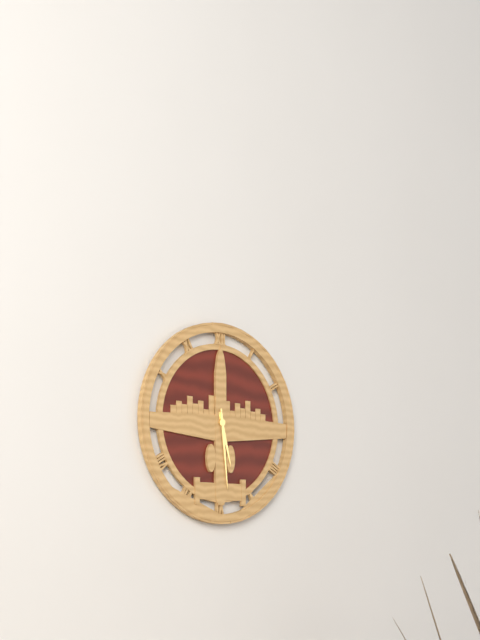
5:29
